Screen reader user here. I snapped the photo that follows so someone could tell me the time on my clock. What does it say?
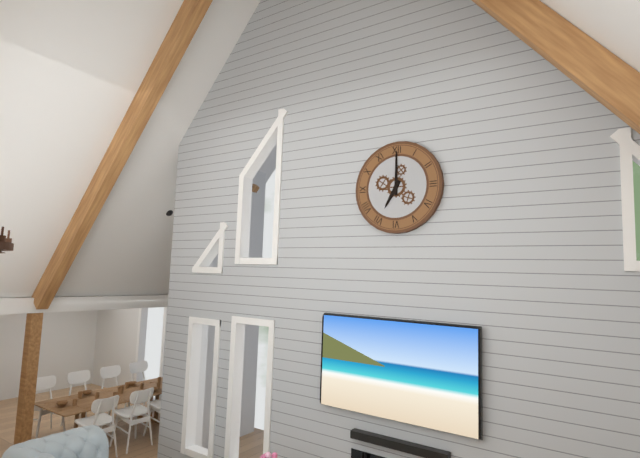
7:00
